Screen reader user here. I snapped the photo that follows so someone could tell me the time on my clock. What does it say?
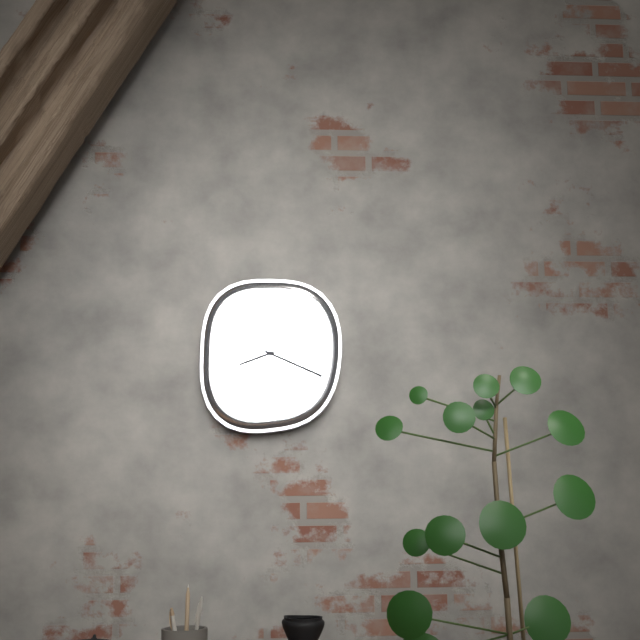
8:19
